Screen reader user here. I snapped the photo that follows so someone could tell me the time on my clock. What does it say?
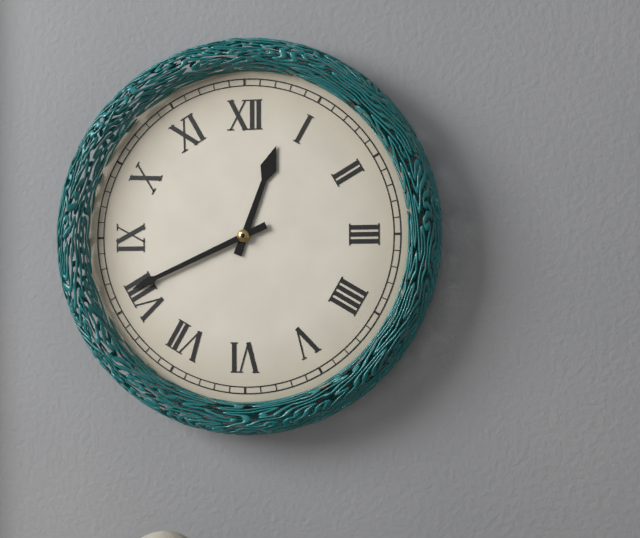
12:41
